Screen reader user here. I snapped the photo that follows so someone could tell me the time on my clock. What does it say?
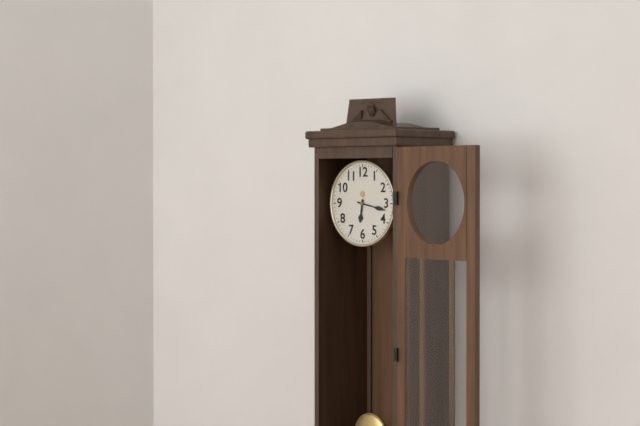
6:17
